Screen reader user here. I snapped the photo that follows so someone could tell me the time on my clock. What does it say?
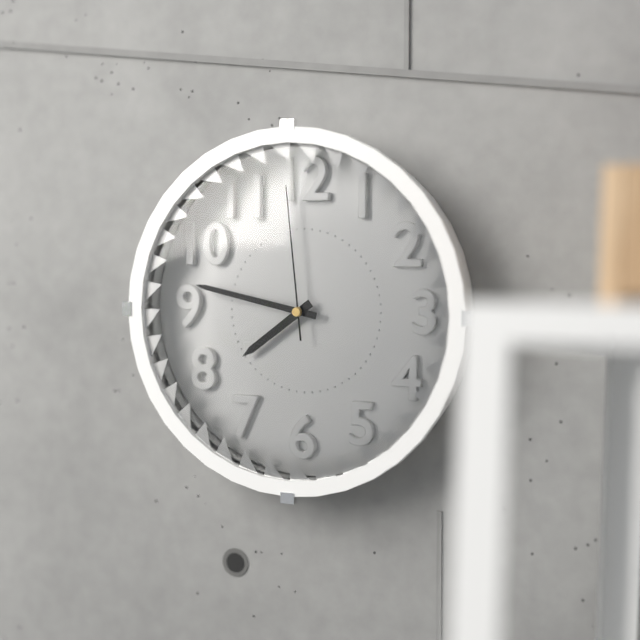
7:47:59
